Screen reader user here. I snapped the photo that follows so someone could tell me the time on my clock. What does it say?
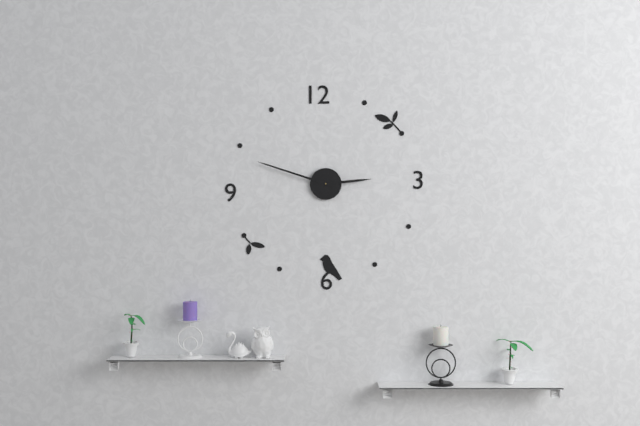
2:48
